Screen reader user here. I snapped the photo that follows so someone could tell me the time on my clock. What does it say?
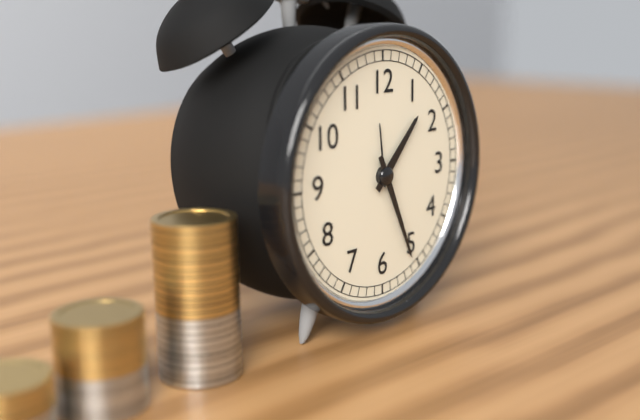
1:26
